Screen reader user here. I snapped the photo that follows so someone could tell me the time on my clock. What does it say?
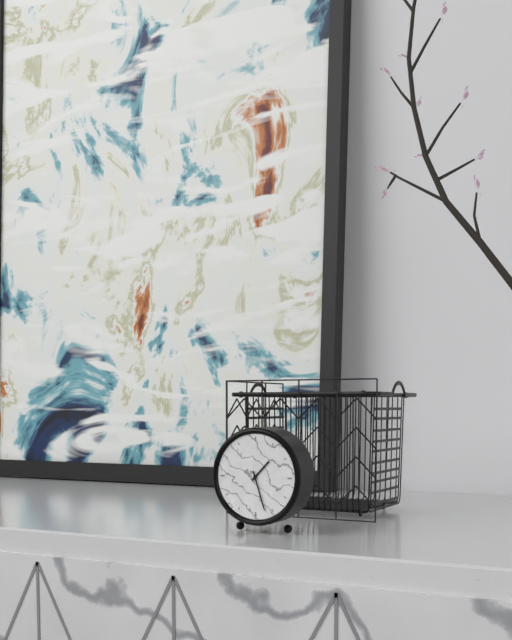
1:27
